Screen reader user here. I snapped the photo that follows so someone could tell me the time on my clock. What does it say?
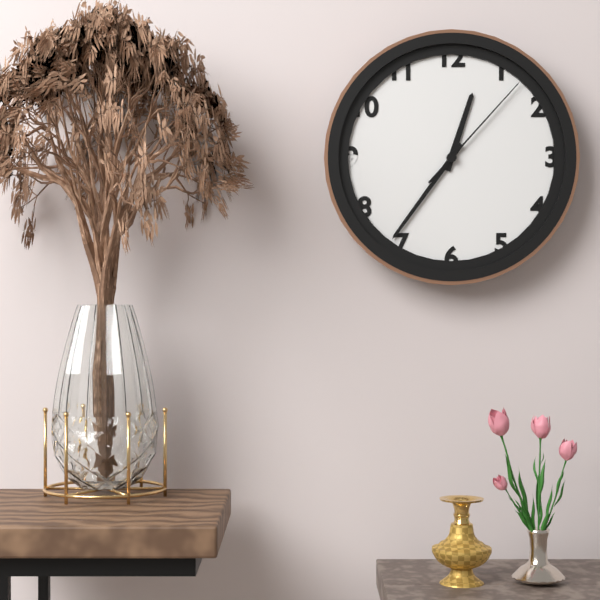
12:36:07
